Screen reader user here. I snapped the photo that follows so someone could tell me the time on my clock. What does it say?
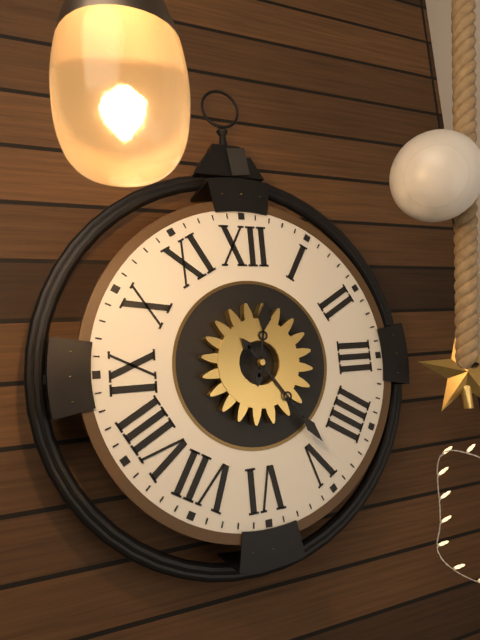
12:24
